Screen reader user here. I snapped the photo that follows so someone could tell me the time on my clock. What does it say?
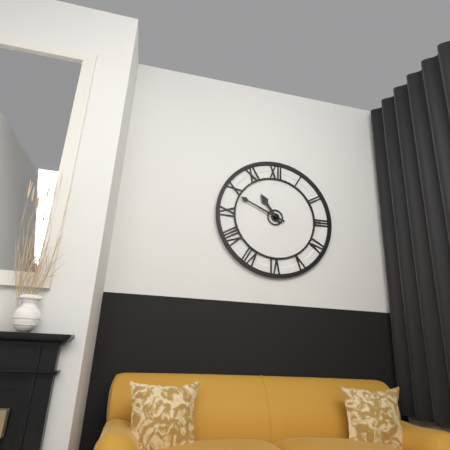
10:49
